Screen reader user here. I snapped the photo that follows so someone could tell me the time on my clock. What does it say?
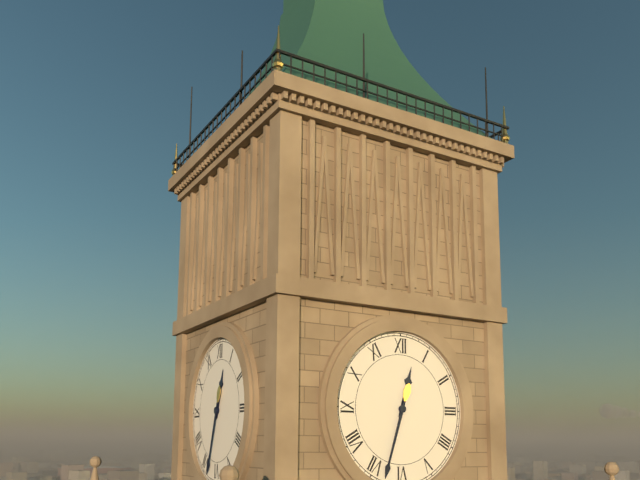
12:33
